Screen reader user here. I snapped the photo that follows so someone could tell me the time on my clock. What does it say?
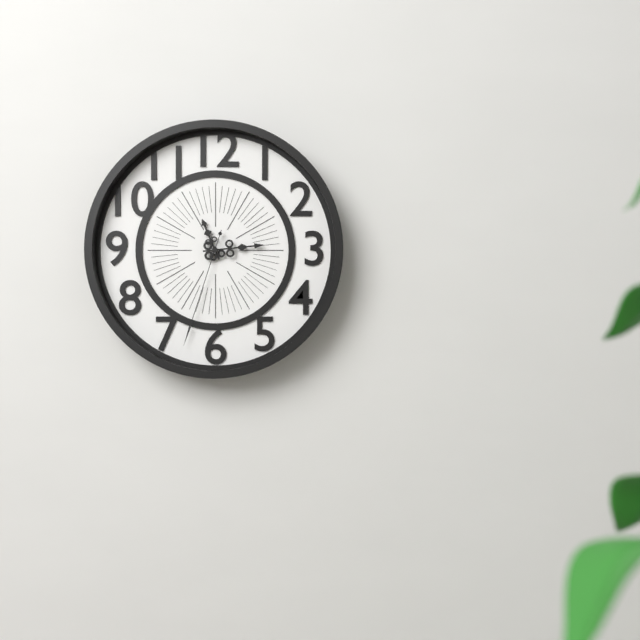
11:14:33
